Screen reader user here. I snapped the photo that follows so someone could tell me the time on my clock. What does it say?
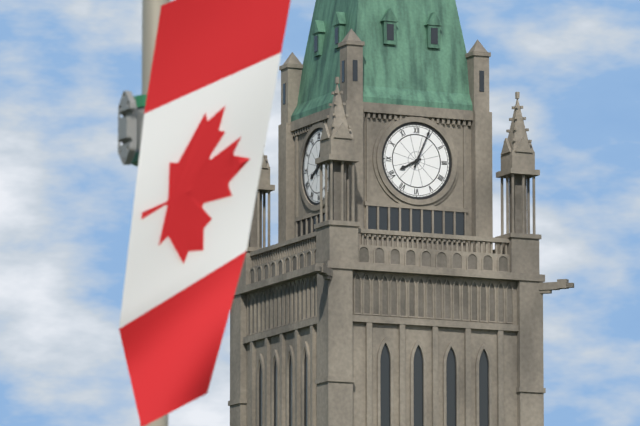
8:04
